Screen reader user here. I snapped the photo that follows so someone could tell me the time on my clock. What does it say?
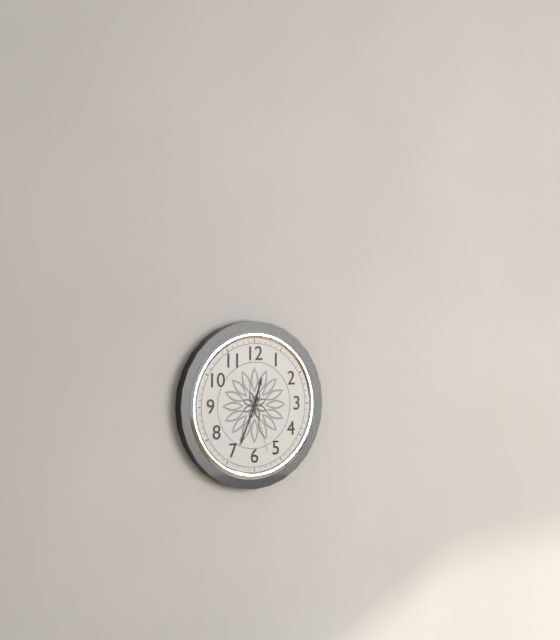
12:34:27
